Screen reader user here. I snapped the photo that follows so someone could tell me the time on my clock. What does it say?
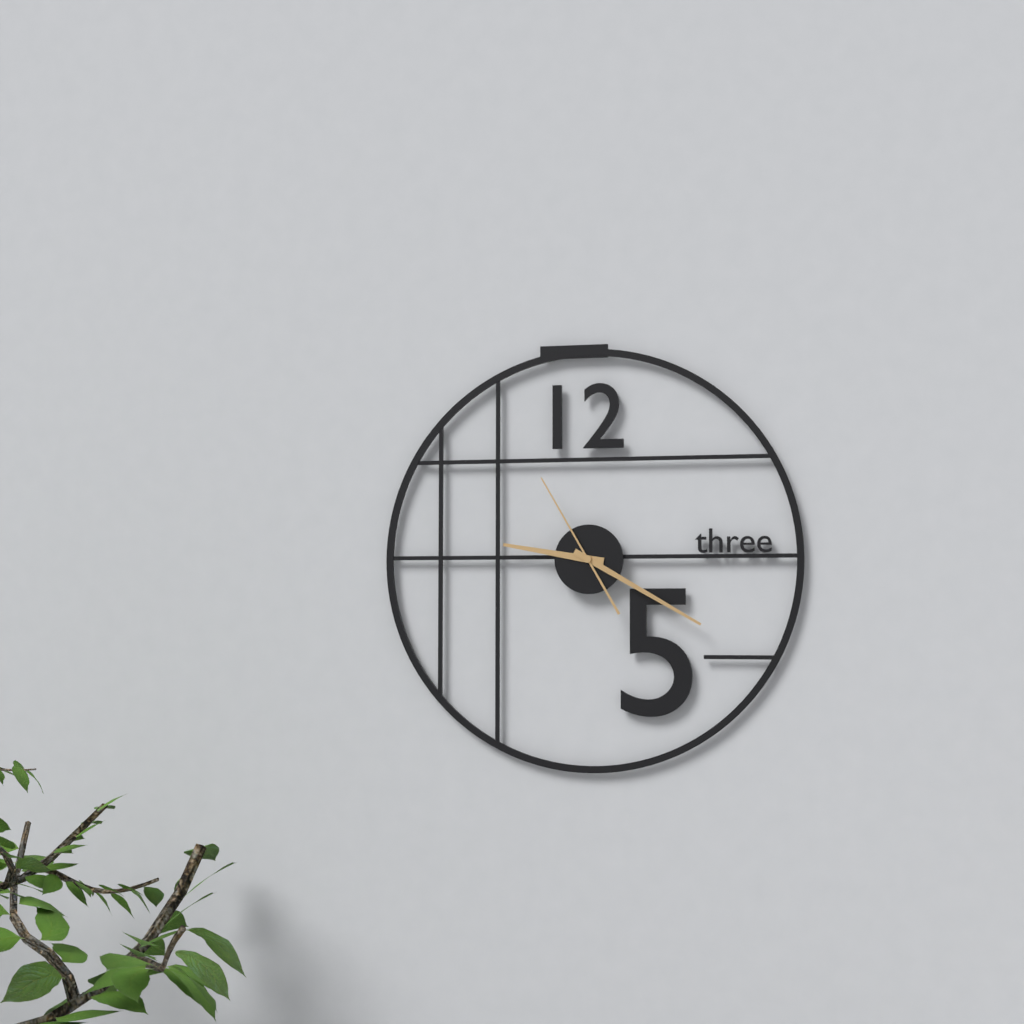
9:20:55
